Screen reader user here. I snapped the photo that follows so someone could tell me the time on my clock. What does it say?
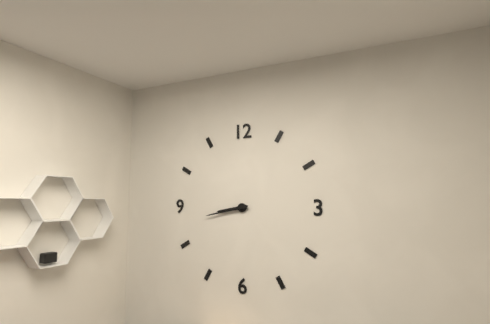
8:43
